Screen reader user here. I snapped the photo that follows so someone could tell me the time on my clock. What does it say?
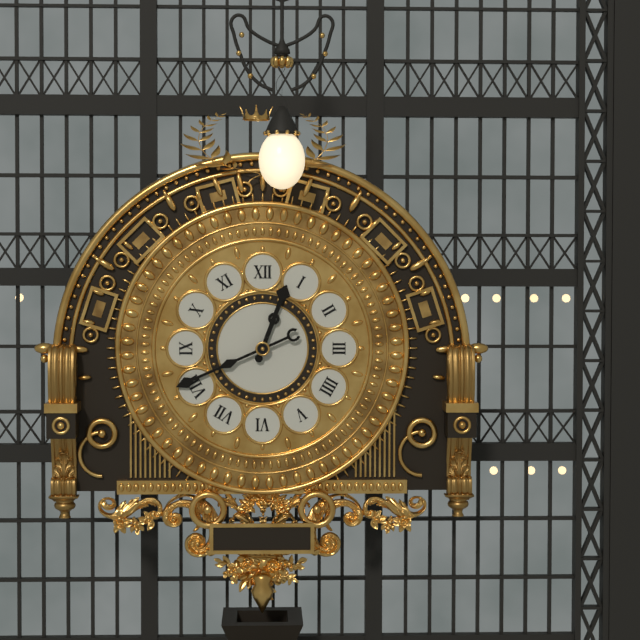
12:41
